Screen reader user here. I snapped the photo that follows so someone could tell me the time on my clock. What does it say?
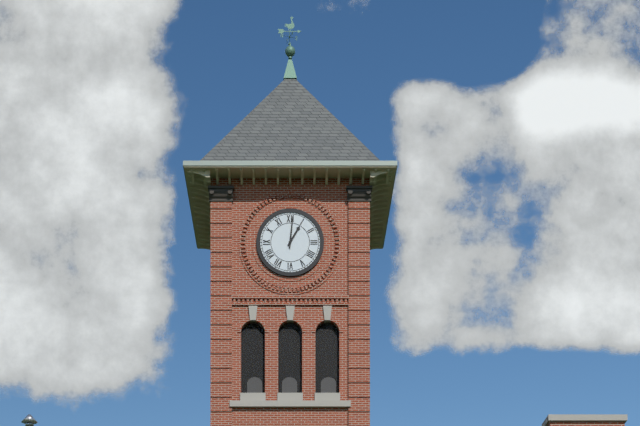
1:01
